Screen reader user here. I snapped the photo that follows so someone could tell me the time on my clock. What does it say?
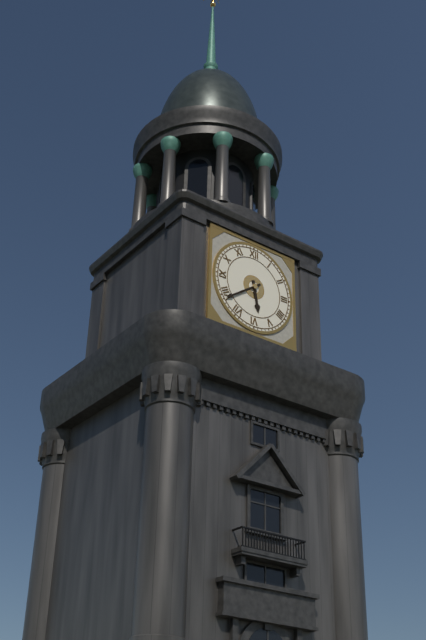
5:39
